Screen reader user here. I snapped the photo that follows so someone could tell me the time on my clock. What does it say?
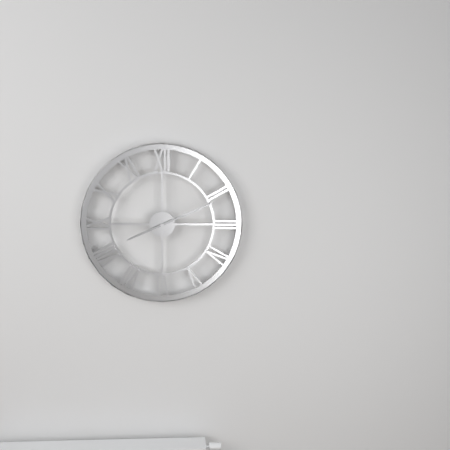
8:11
